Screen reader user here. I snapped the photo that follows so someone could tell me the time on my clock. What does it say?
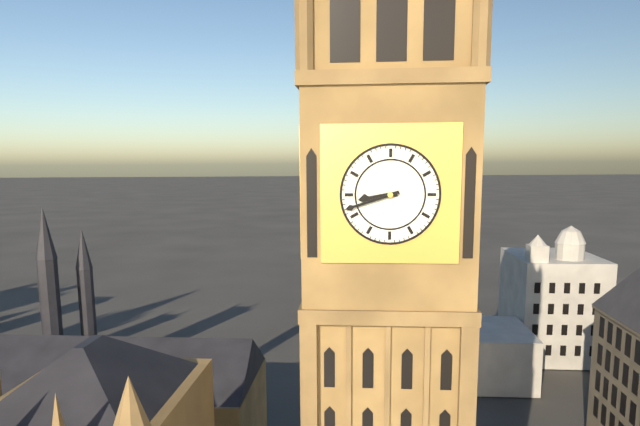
8:42
